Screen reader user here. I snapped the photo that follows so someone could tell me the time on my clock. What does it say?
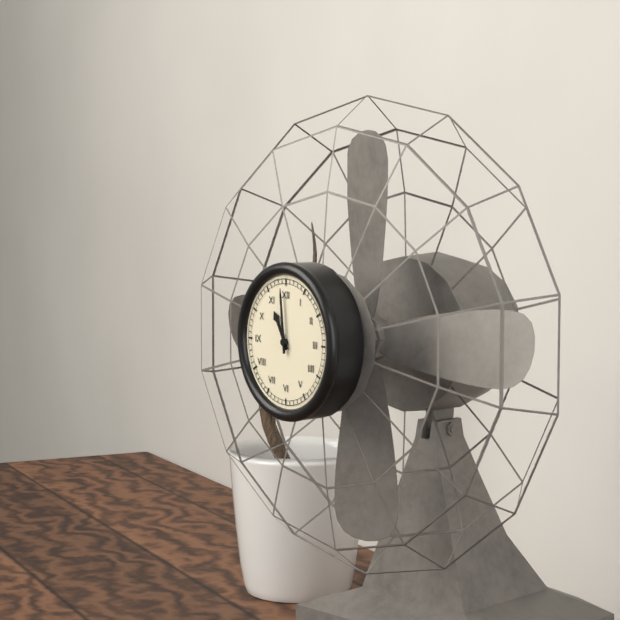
10:59
